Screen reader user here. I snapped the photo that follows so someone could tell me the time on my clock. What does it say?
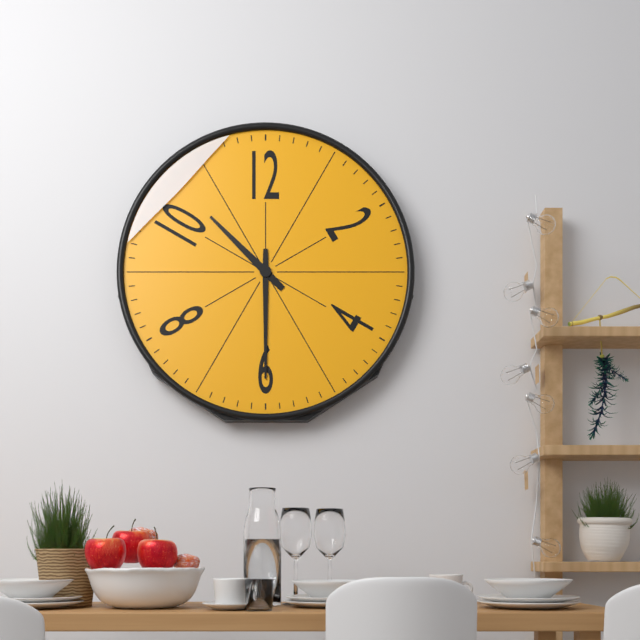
10:30
